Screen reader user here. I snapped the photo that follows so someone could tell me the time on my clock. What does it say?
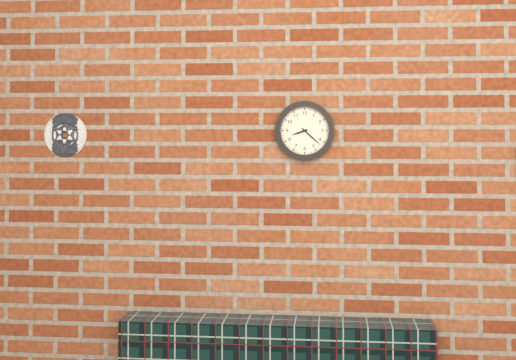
8:22
